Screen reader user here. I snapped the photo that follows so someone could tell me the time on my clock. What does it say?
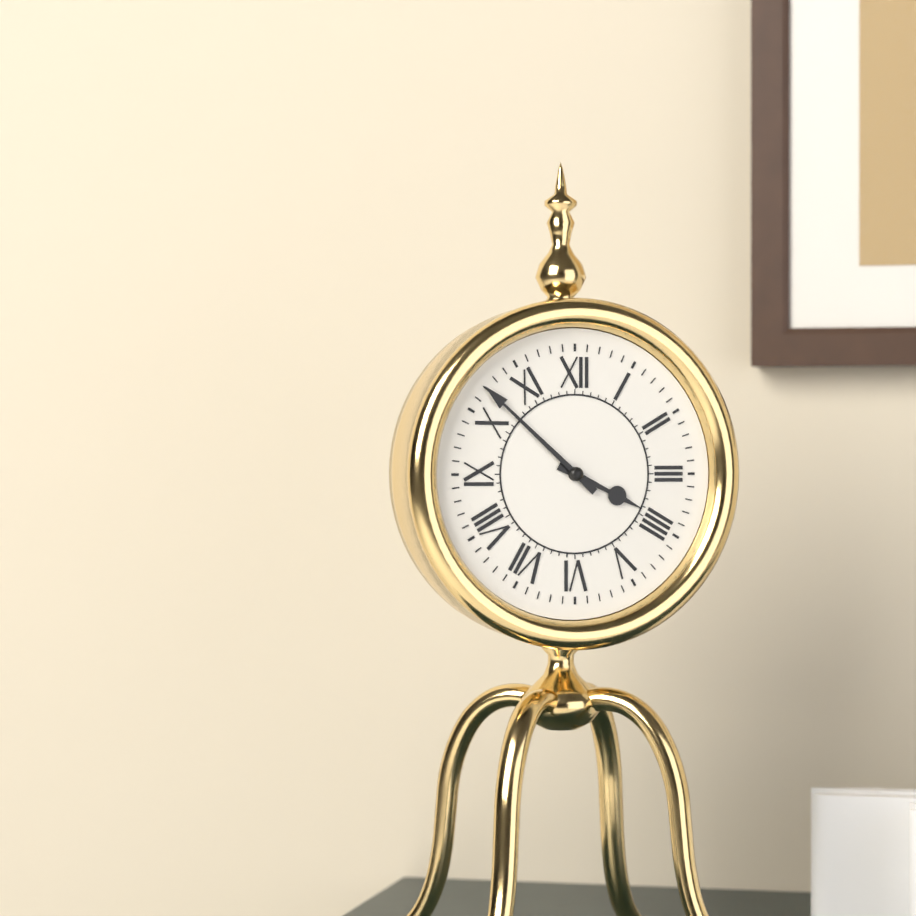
3:52
